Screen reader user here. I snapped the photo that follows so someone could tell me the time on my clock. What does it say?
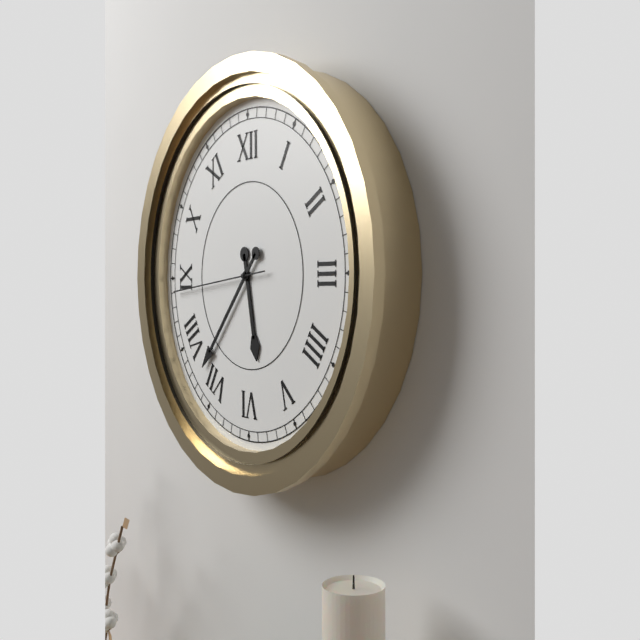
5:37:44
